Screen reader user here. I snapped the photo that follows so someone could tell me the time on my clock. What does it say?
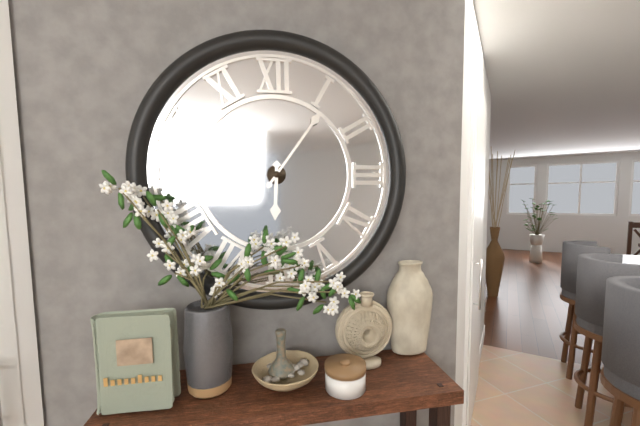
6:06
